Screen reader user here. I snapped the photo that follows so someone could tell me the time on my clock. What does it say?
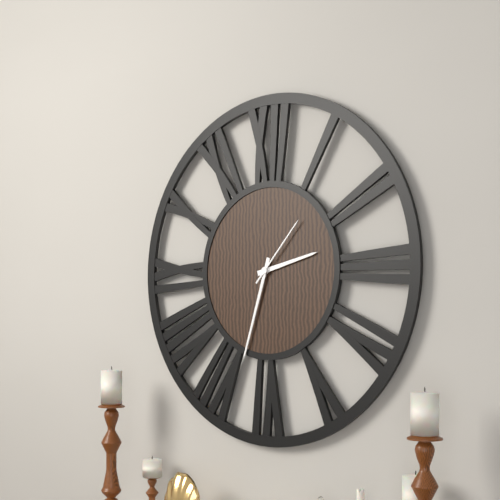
2:33:07
